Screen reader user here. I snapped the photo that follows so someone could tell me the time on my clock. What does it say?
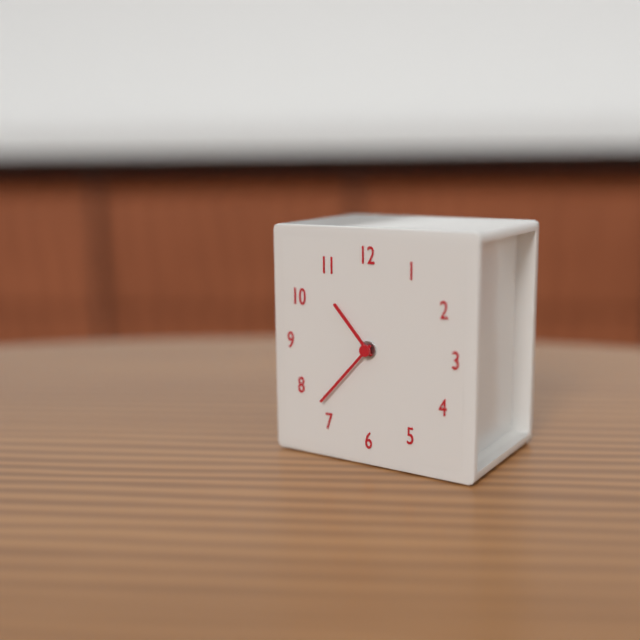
10:37
